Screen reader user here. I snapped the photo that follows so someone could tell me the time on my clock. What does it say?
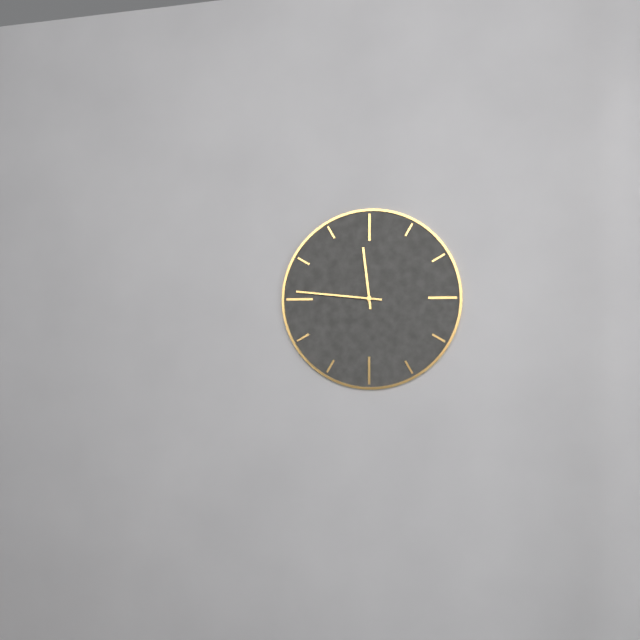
11:46
